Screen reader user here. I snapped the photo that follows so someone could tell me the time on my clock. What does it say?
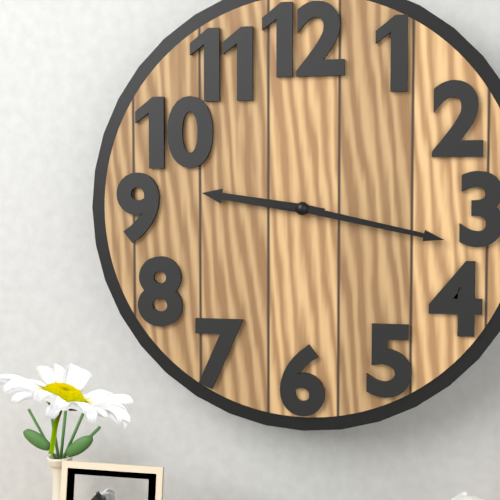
9:17
